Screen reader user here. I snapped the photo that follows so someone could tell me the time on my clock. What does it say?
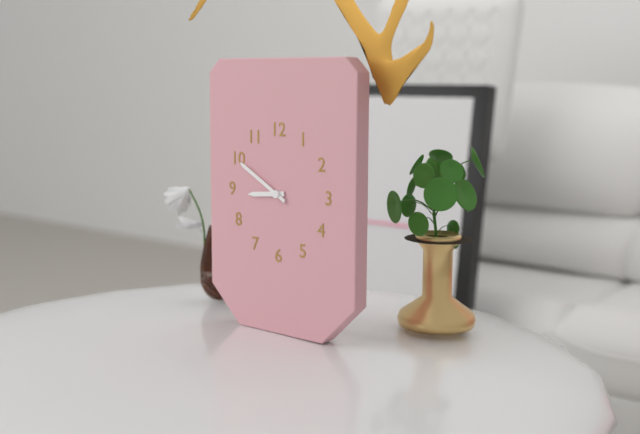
8:50
